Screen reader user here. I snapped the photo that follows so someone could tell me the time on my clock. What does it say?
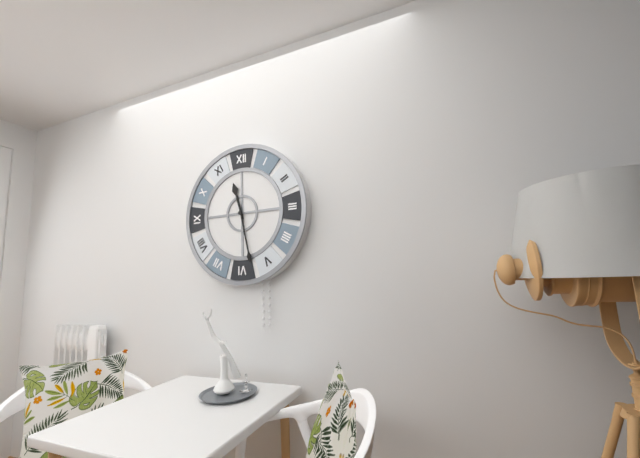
11:28
